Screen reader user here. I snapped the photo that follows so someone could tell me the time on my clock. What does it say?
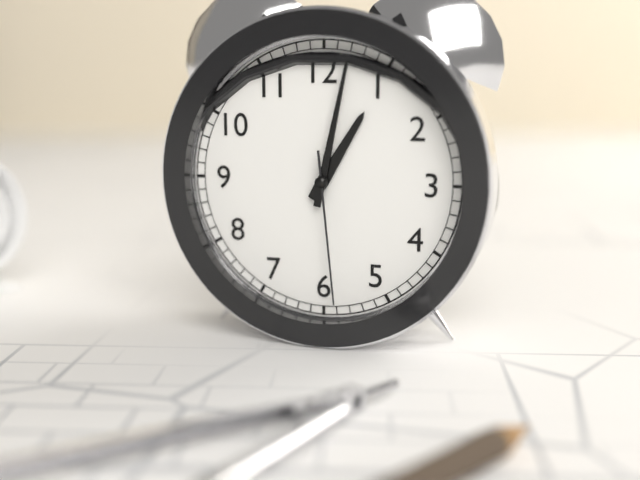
1:02:29
